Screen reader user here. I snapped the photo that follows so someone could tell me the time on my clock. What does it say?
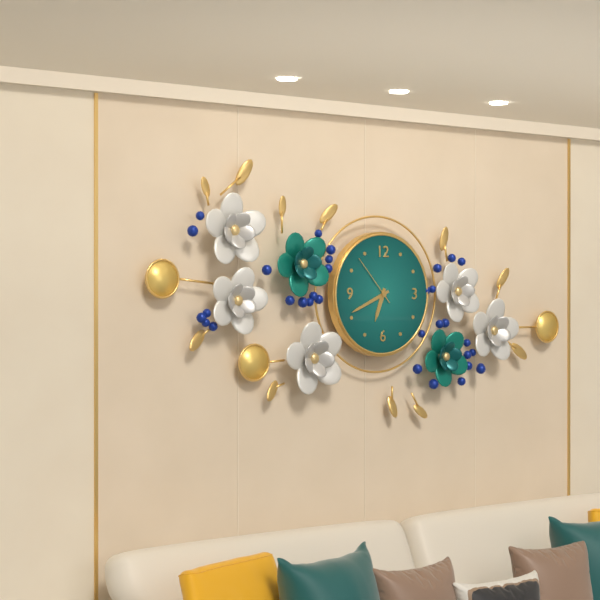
6:41:53
